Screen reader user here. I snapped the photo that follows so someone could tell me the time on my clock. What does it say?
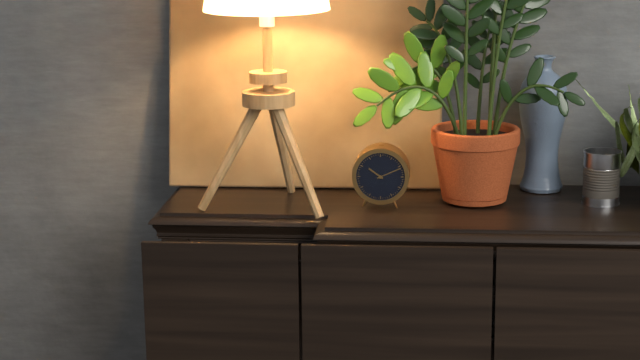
10:11
